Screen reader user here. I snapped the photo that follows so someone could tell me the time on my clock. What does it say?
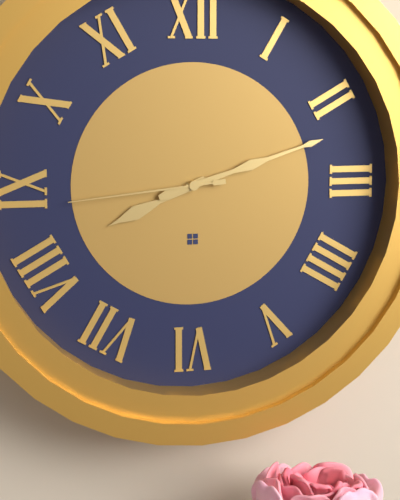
8:12:44
